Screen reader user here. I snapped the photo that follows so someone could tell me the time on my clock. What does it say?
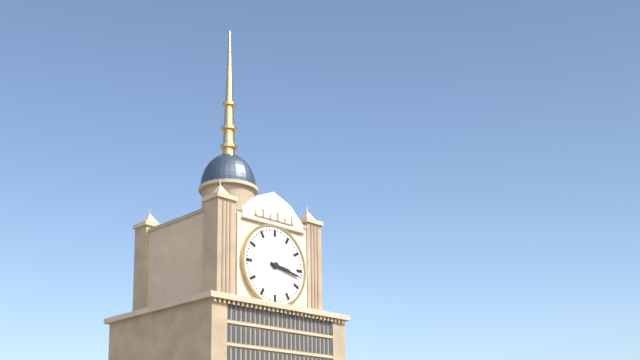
3:17
